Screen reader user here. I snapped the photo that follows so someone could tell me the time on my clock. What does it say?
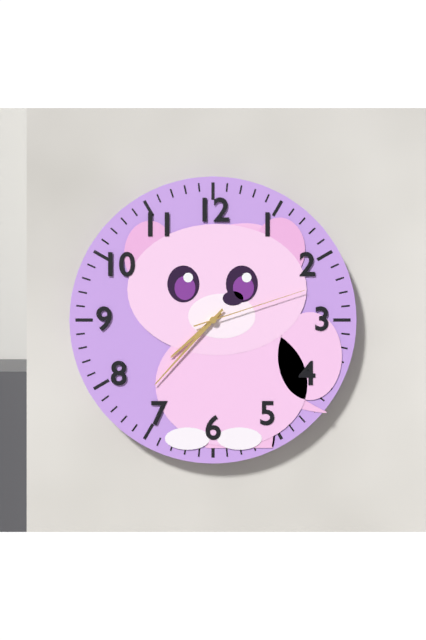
7:37:12
